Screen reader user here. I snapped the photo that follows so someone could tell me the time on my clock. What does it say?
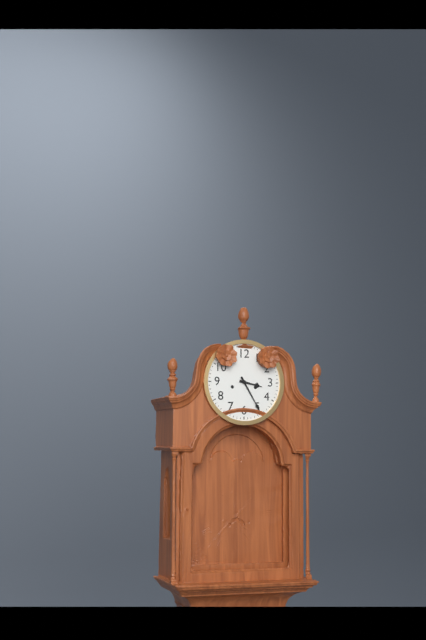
3:25
